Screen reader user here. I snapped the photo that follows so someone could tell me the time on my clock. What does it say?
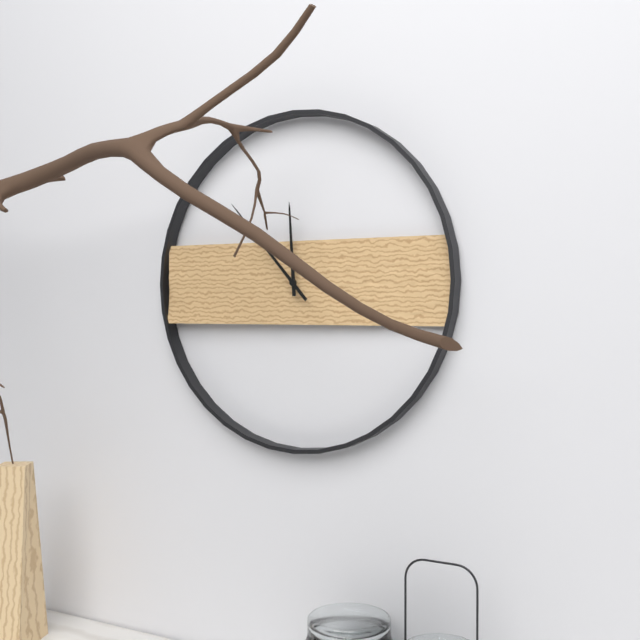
11:53
